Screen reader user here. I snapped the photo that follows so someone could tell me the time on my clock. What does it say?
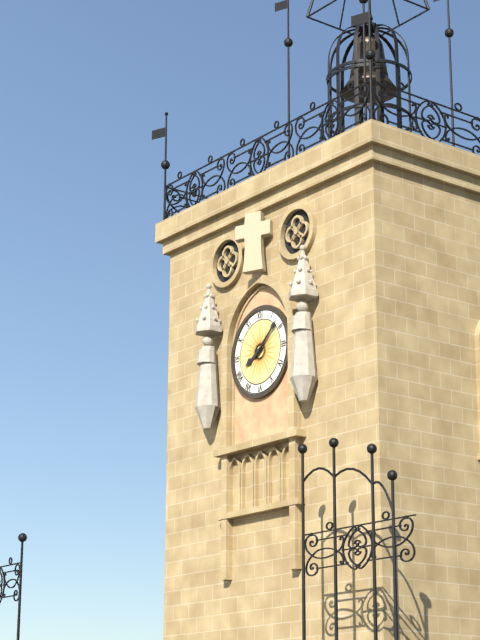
8:08
